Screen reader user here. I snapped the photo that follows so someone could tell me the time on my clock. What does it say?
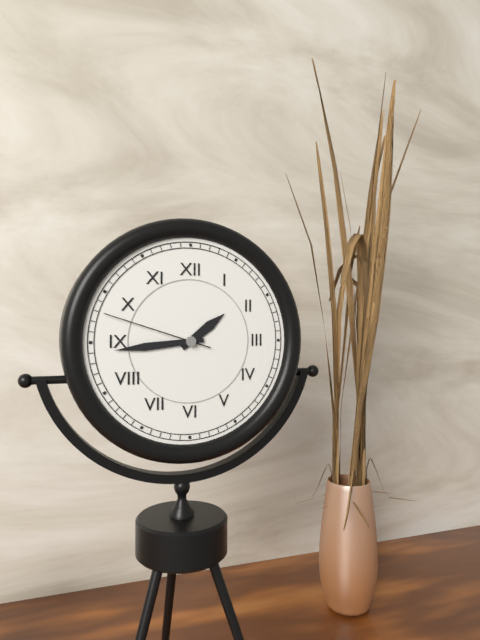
1:44:48
